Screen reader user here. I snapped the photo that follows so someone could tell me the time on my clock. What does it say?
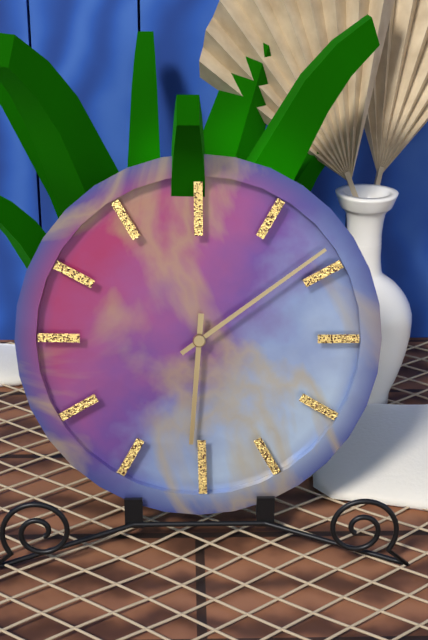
6:09
